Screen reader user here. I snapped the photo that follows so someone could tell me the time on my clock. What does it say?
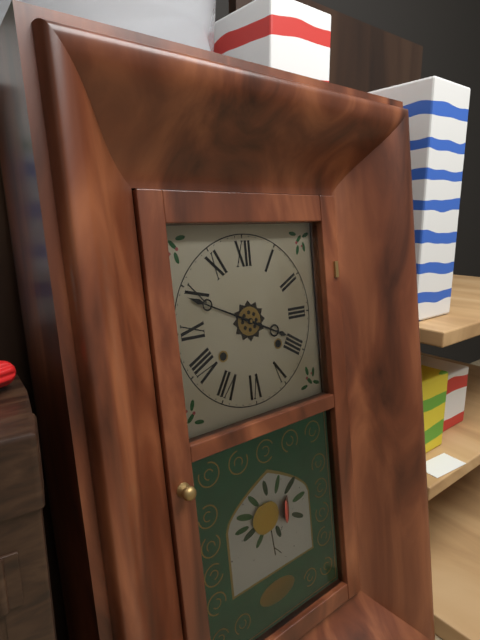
3:49
